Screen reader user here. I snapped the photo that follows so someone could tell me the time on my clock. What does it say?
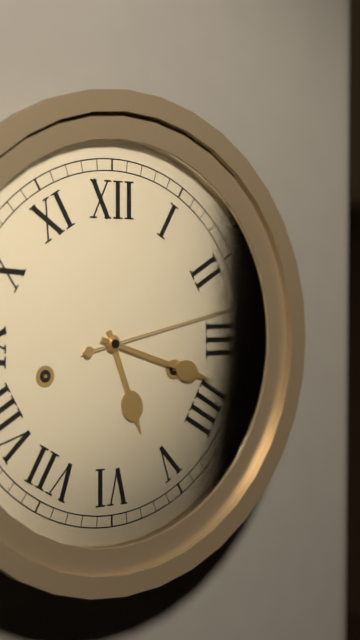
5:18:13
